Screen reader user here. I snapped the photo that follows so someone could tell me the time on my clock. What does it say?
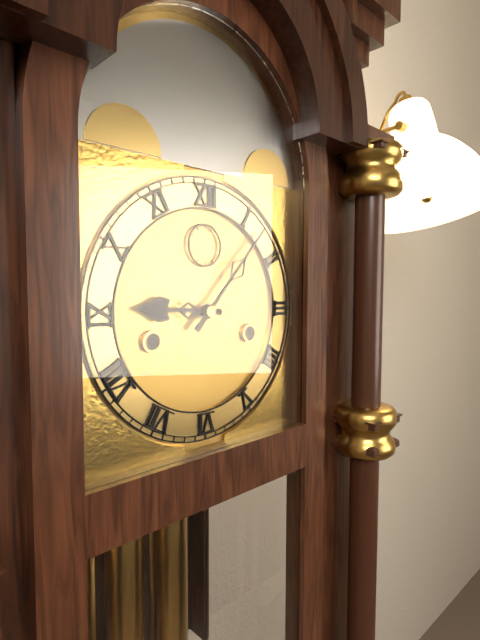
9:07
